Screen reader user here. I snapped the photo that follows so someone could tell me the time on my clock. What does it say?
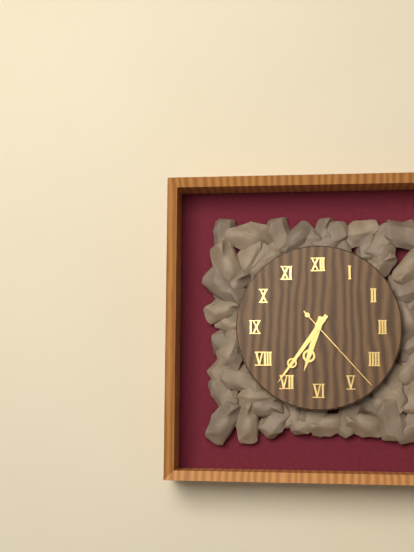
6:36:23
